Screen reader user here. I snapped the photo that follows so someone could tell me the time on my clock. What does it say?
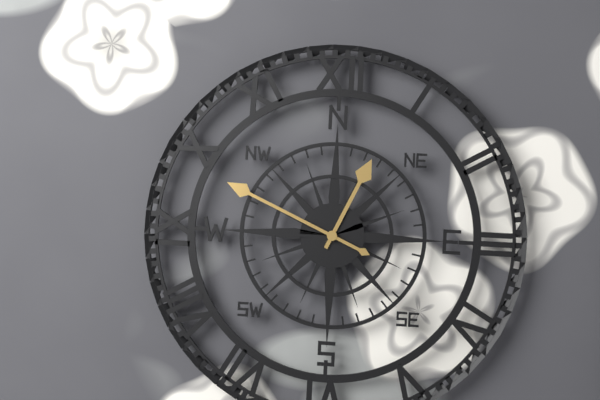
12:49
